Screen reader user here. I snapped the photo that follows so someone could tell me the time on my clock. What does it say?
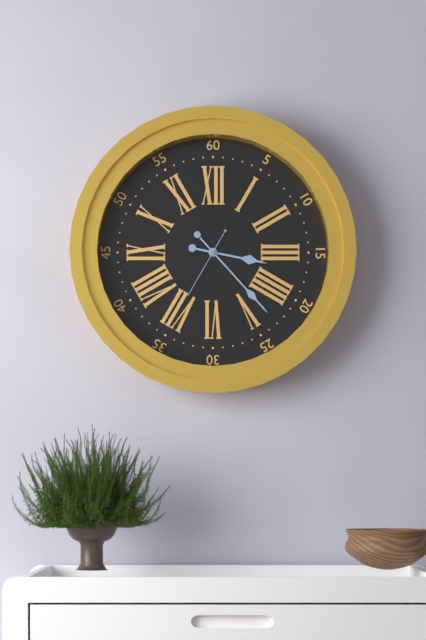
3:23:35
